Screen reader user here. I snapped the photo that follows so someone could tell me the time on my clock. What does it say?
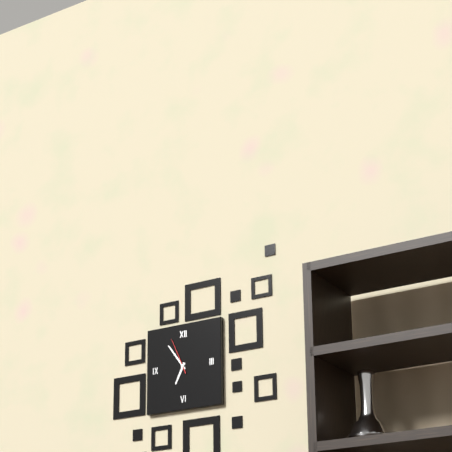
6:54
